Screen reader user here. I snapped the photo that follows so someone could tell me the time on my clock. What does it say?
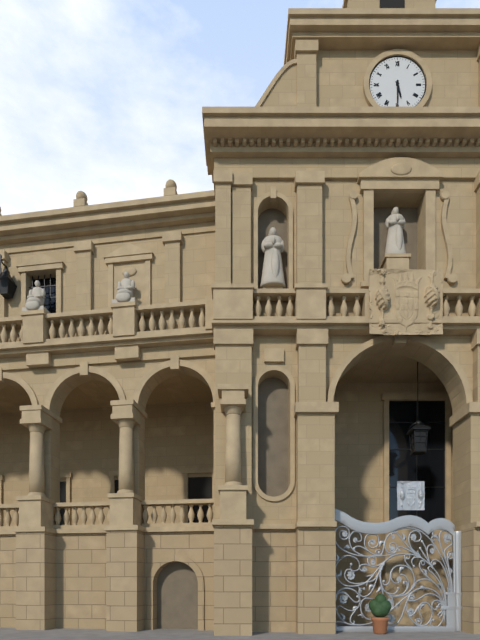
5:30
